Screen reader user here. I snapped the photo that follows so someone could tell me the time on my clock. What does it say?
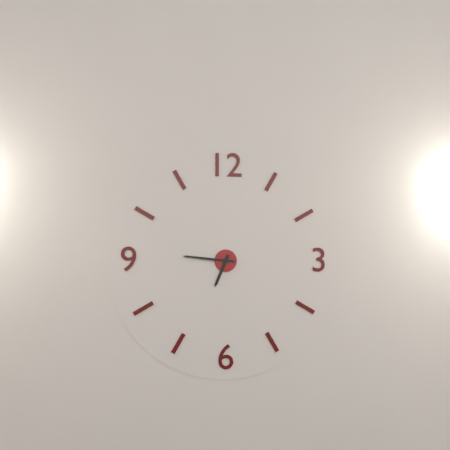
6:46
